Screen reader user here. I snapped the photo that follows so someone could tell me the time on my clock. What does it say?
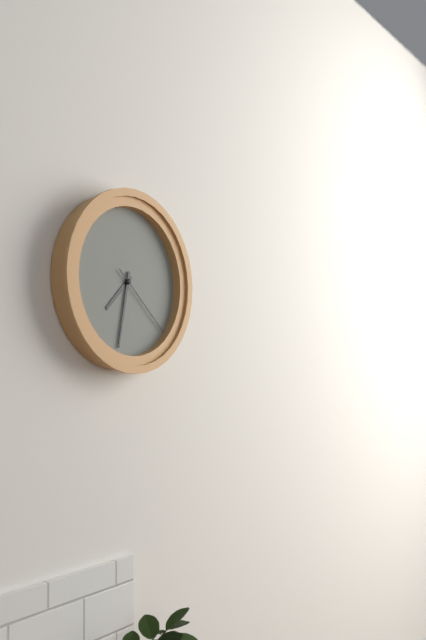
7:32:22
